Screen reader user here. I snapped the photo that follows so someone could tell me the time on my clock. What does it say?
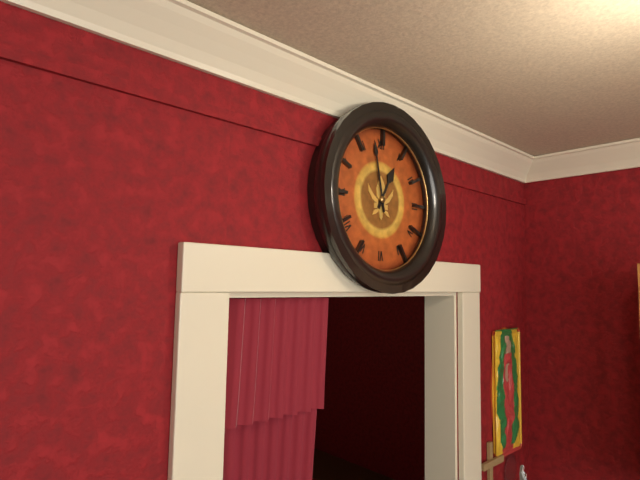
12:58
